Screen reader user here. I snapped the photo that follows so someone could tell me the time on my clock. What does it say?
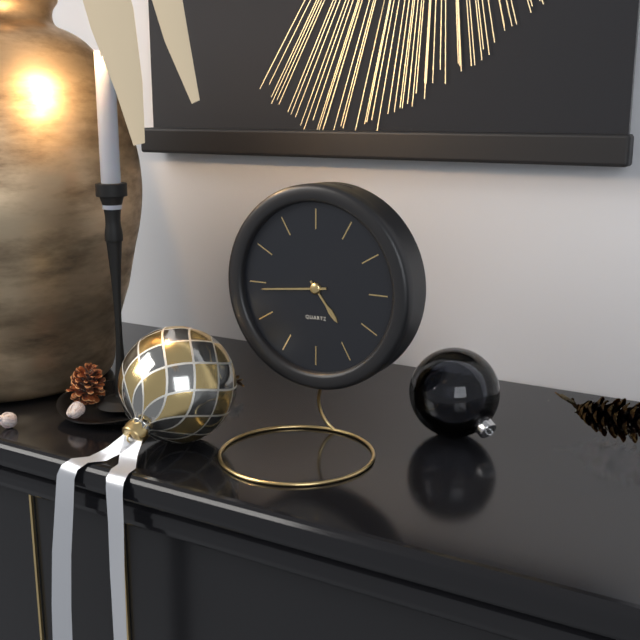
4:44
